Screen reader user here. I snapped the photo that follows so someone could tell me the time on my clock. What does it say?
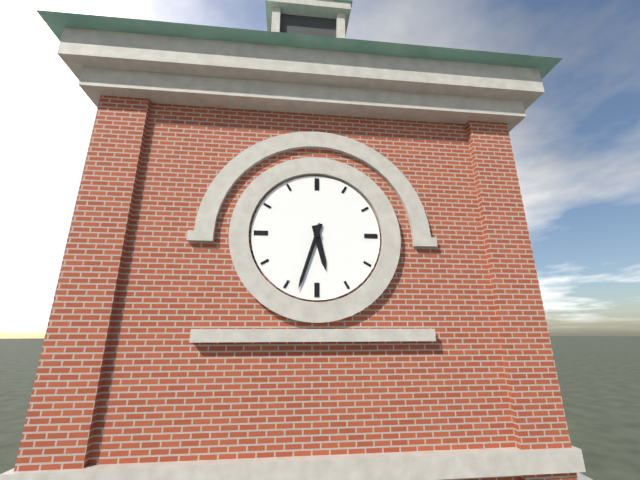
5:33
